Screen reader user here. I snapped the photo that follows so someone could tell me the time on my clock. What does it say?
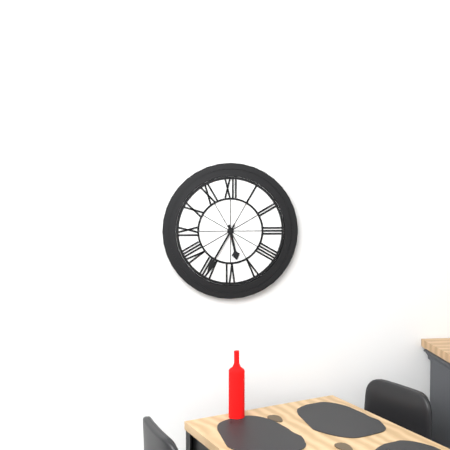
5:35
